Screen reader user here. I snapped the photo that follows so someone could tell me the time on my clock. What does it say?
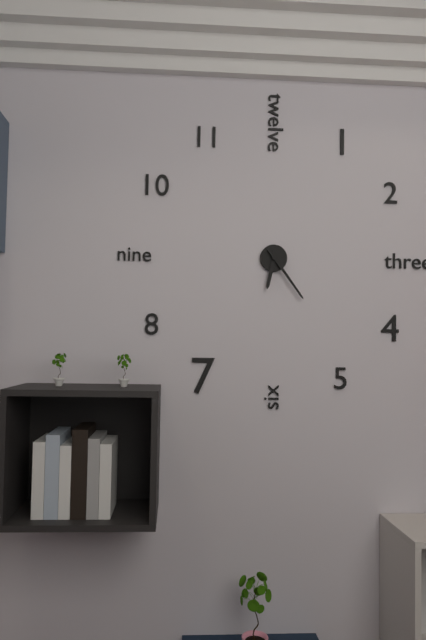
6:24
